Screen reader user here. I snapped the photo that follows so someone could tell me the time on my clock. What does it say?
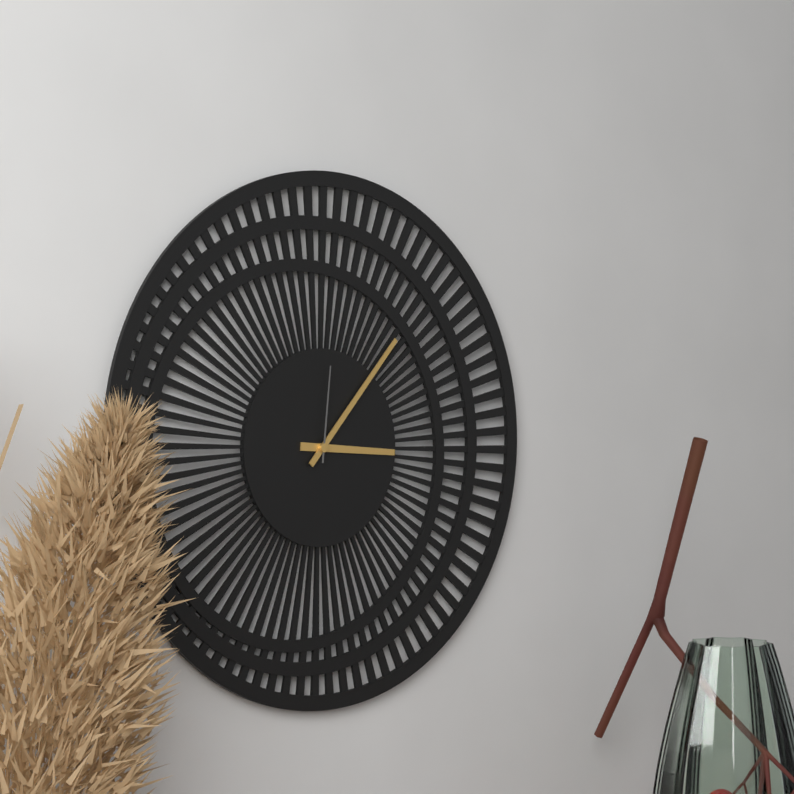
3:07:01
